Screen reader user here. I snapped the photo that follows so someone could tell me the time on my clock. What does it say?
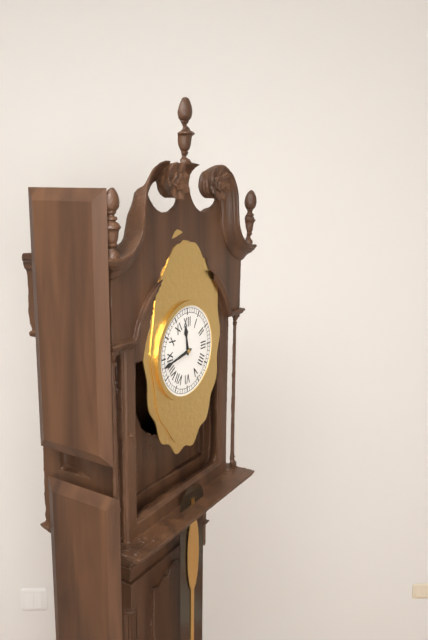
11:43
